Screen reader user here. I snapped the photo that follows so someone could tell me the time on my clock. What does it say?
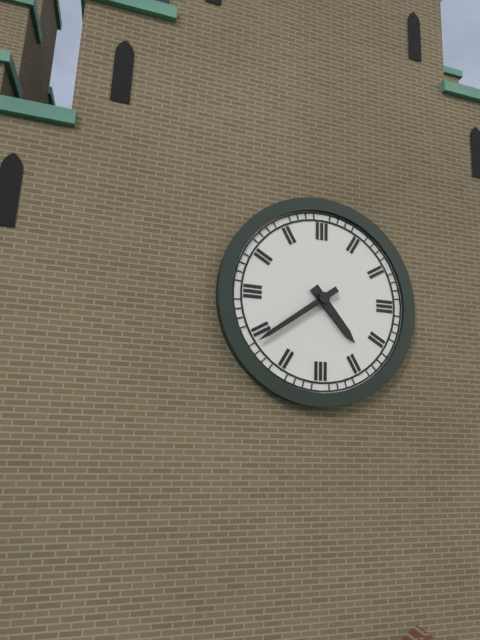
4:39
